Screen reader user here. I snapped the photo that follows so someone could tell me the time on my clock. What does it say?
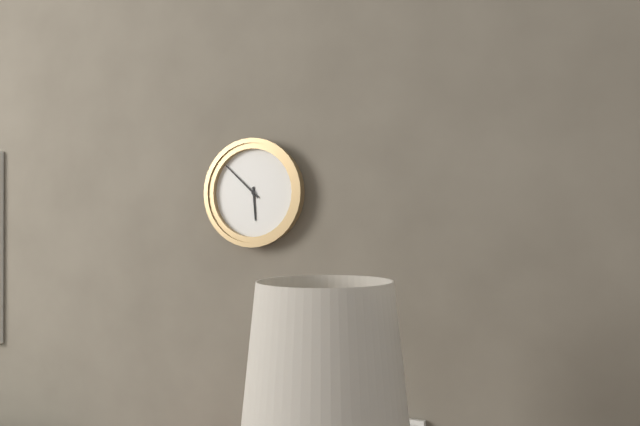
5:52
